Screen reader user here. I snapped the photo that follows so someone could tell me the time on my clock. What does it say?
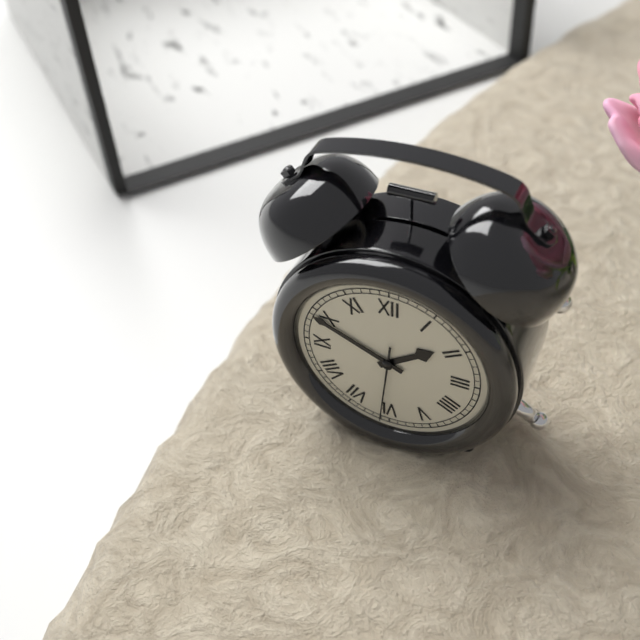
1:49:31
